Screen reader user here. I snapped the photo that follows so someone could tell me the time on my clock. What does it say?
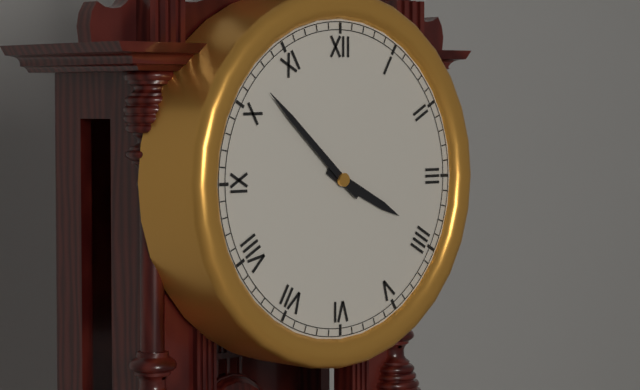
3:52
